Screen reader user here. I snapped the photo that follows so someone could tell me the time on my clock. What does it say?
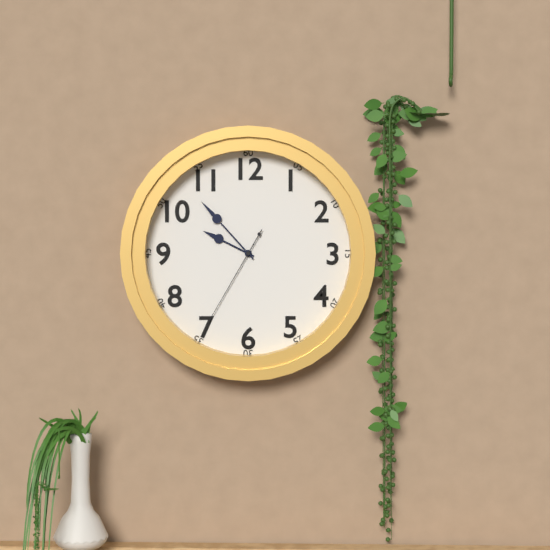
9:53:35
